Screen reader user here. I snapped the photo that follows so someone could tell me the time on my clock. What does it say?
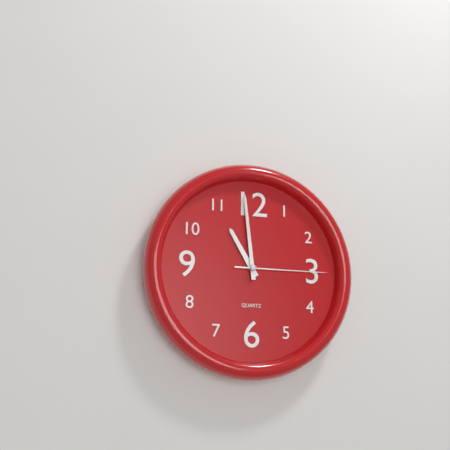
10:59:15
